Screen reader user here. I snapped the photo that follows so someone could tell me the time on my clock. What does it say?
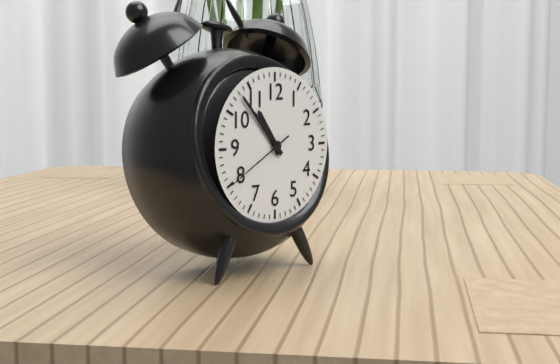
10:53:40
